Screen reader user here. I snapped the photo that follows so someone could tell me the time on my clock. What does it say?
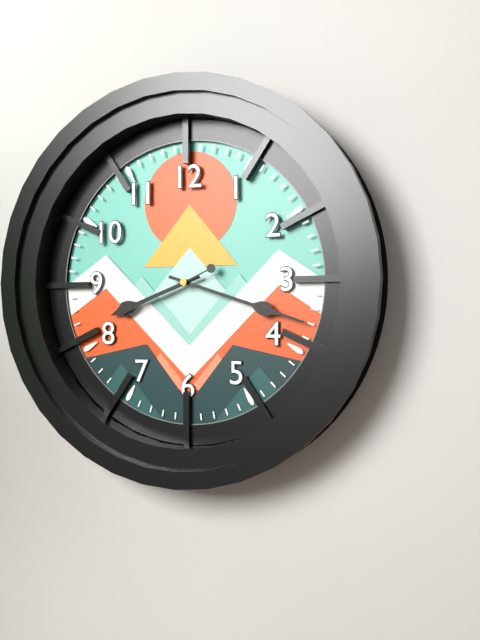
8:18:41
